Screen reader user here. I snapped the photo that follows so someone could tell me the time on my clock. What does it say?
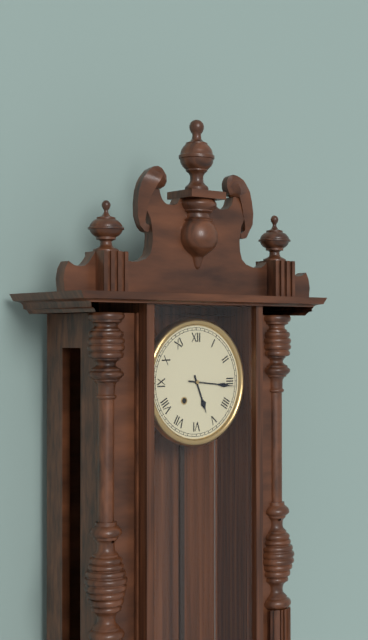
5:16
